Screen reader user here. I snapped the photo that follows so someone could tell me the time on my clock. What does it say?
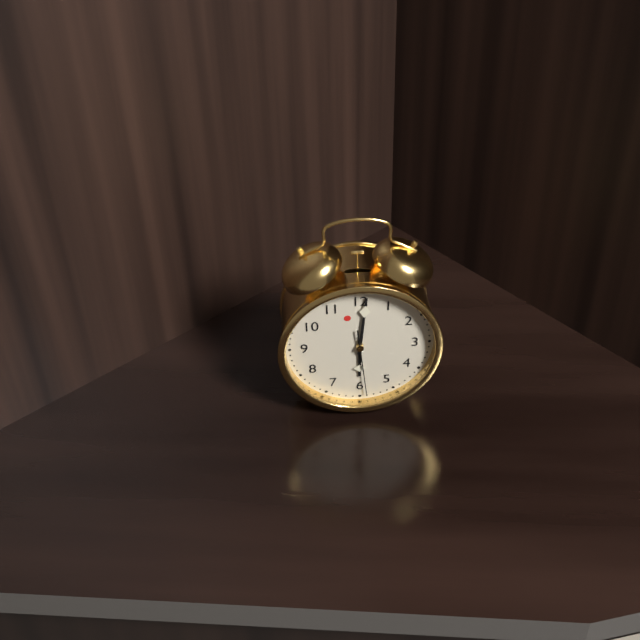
6:01:29
